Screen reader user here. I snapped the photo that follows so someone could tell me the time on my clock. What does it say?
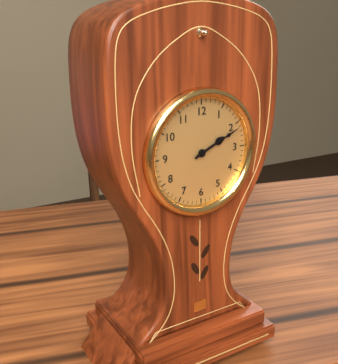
2:11
